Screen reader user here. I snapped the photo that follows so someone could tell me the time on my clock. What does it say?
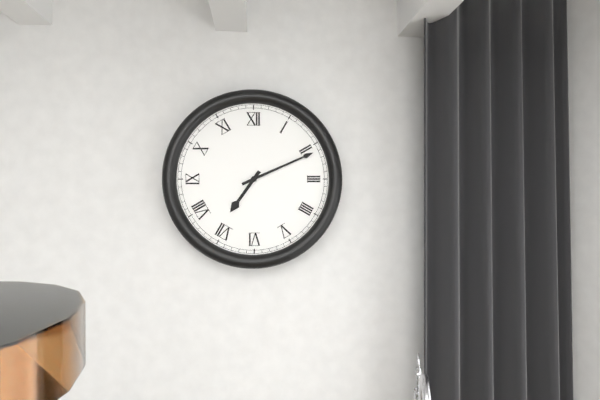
7:11
